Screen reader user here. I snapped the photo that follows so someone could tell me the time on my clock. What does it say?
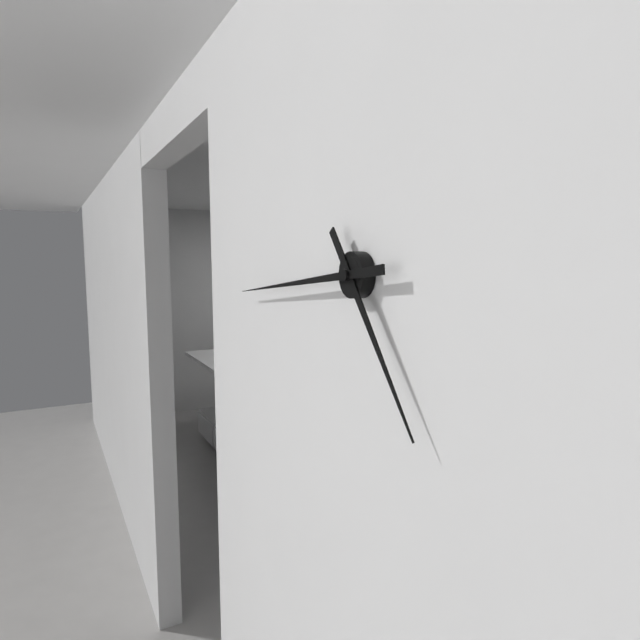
4:44
